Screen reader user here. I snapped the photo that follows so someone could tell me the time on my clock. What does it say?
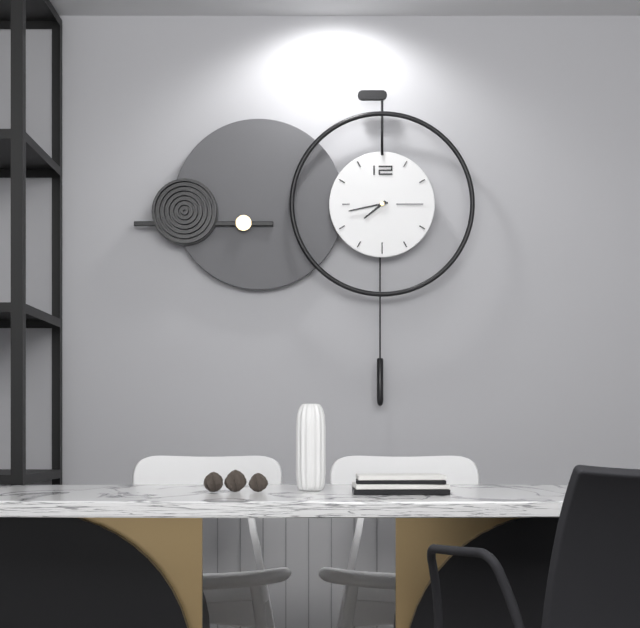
7:43
